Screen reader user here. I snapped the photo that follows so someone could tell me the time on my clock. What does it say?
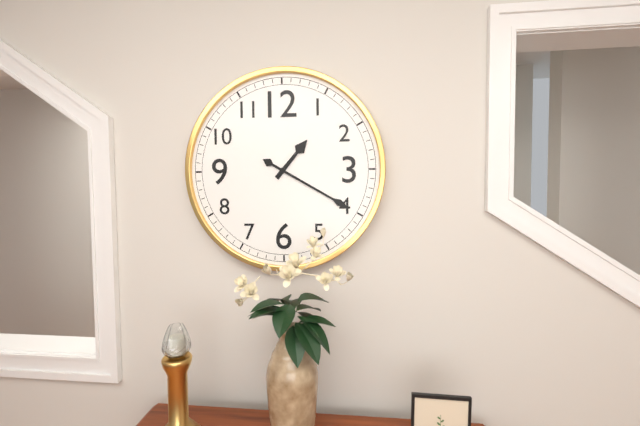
1:20
